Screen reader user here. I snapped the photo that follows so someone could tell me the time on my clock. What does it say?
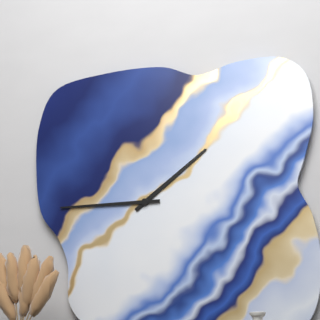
1:45
